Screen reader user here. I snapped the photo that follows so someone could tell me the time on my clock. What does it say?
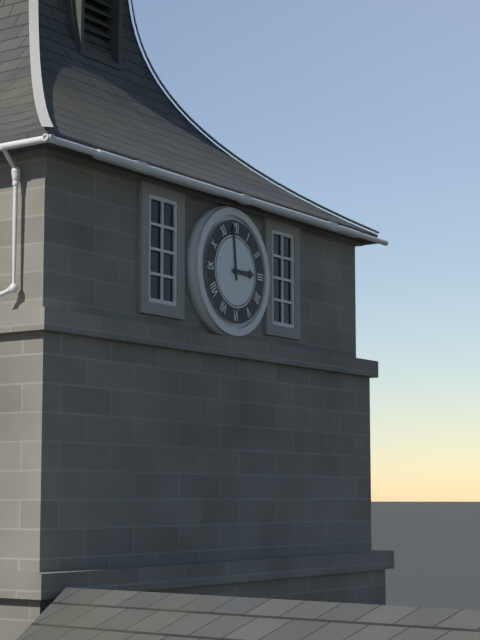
2:59
